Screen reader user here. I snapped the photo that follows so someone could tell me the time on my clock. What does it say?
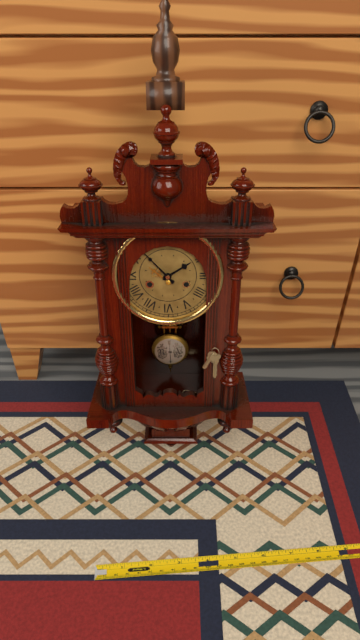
1:53
